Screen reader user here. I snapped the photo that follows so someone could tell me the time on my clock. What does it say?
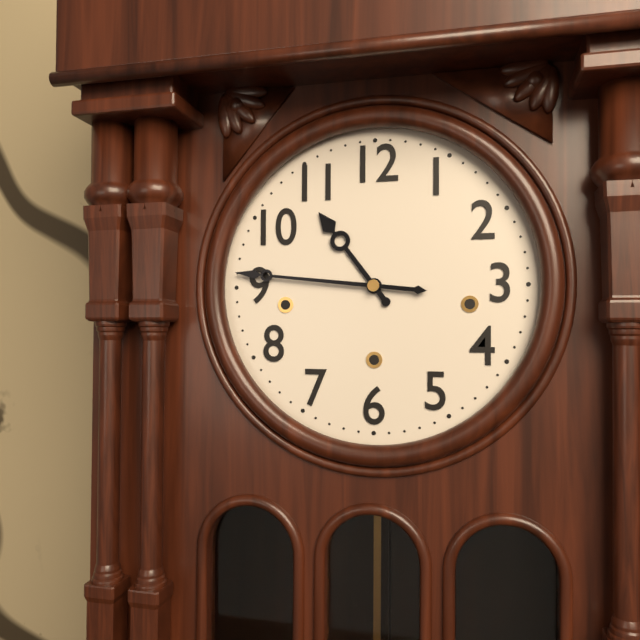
10:46
